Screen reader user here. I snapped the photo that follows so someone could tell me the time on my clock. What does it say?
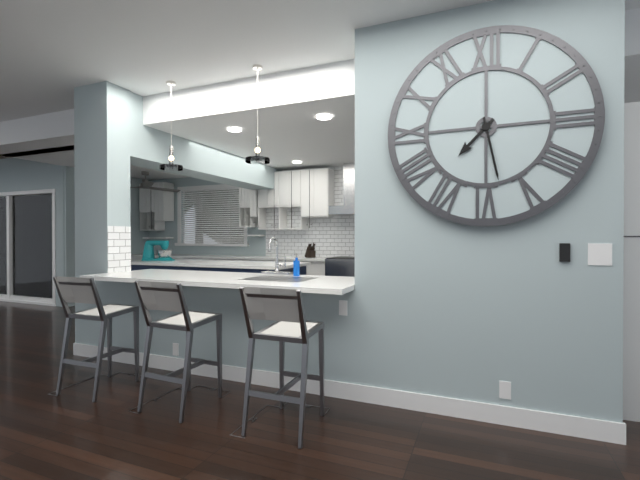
7:28
